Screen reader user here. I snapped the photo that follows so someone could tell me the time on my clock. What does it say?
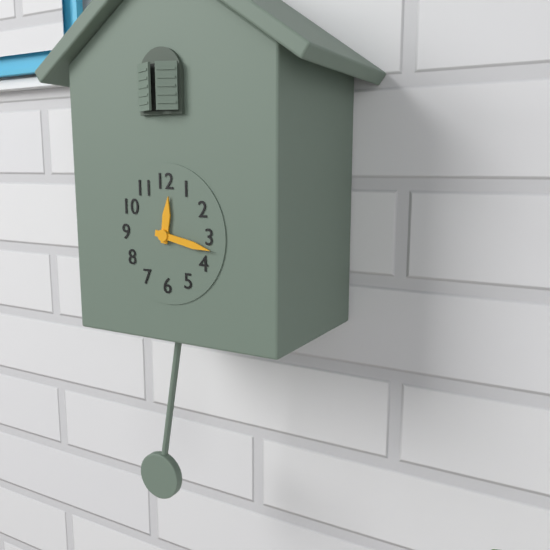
12:17
